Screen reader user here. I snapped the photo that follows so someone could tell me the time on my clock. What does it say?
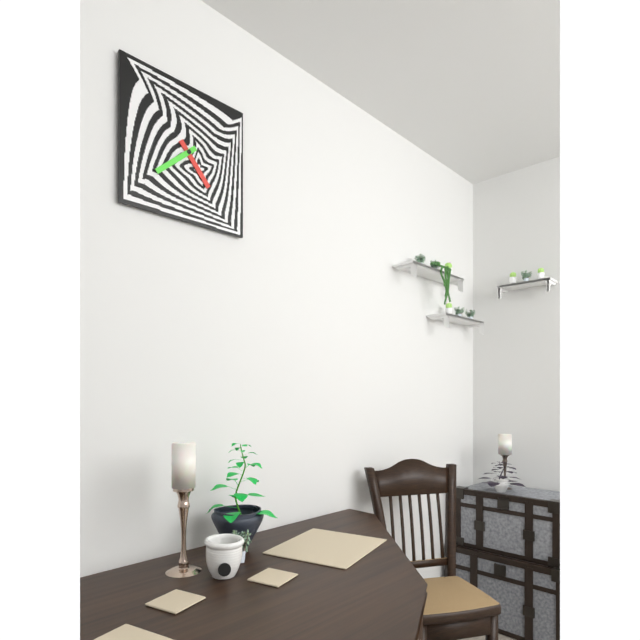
4:38
